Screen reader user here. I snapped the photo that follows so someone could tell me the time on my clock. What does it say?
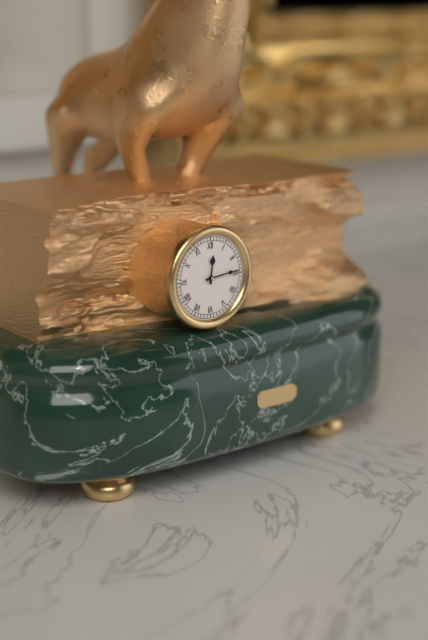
12:14
